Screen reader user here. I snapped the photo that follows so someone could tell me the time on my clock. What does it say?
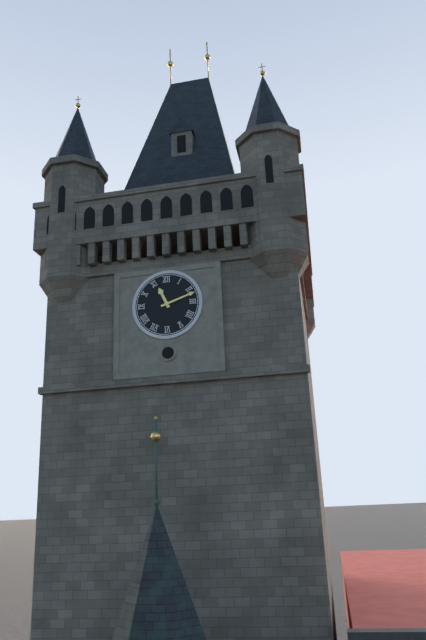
11:12
